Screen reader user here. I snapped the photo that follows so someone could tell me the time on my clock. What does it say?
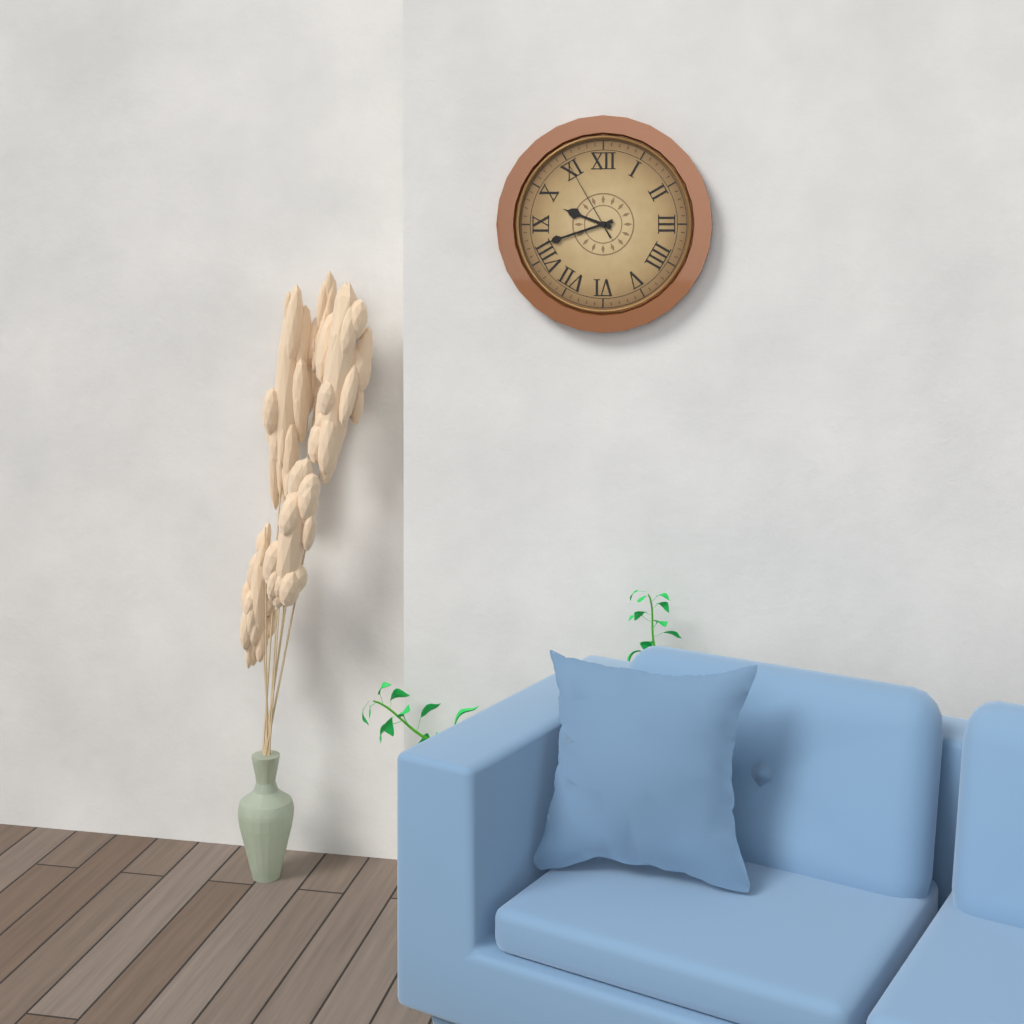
9:42:55
